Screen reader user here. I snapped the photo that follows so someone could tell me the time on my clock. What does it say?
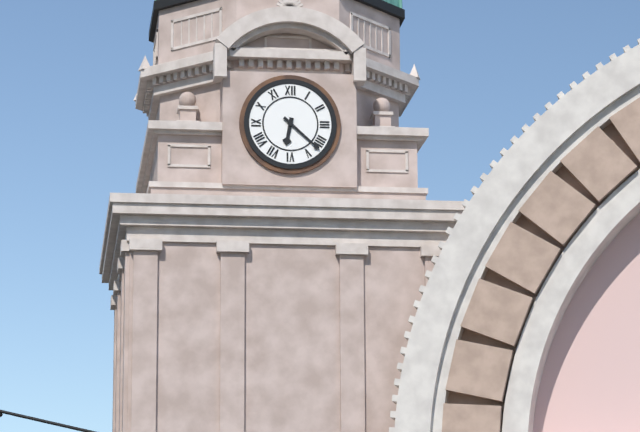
6:22
